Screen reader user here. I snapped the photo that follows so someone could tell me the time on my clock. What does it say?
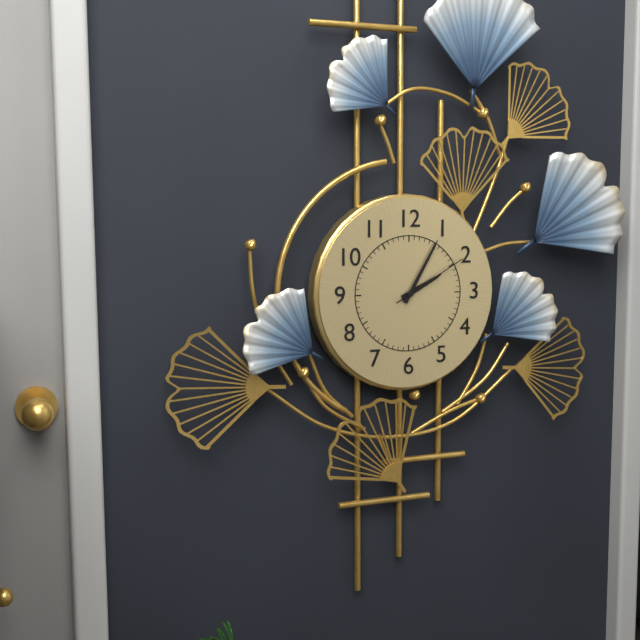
2:05:10
